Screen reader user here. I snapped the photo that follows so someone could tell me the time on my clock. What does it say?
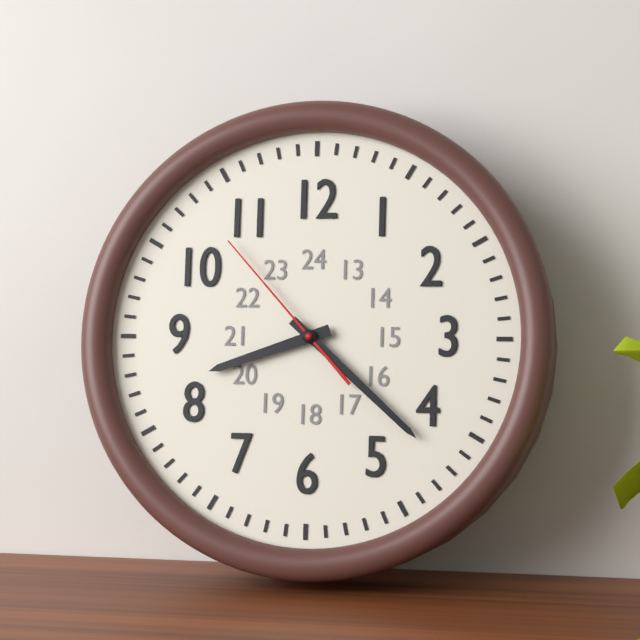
8:22:53
